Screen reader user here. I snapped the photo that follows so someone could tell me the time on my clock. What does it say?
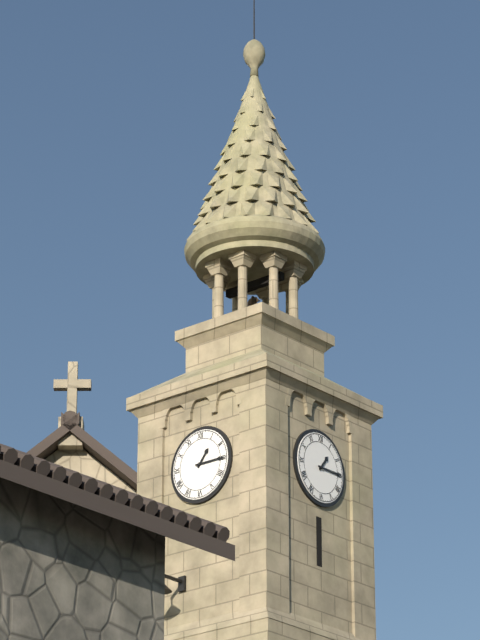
1:15
